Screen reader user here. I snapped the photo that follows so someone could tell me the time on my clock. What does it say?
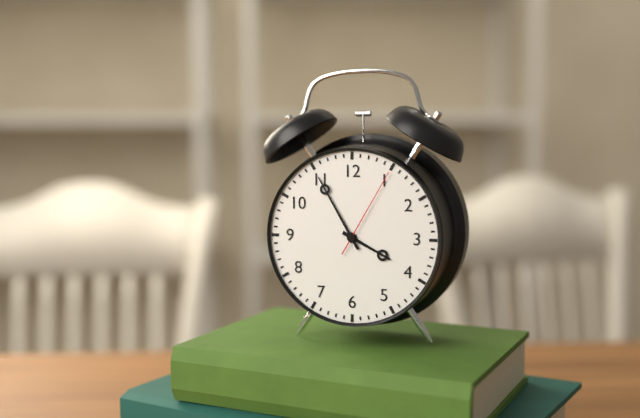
3:55:05
